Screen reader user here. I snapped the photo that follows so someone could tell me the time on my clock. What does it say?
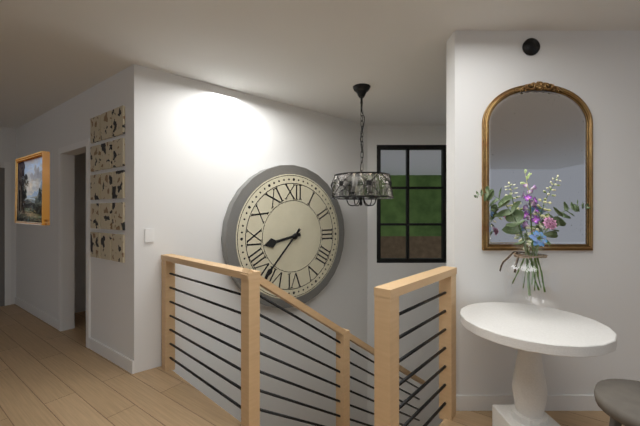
8:37
